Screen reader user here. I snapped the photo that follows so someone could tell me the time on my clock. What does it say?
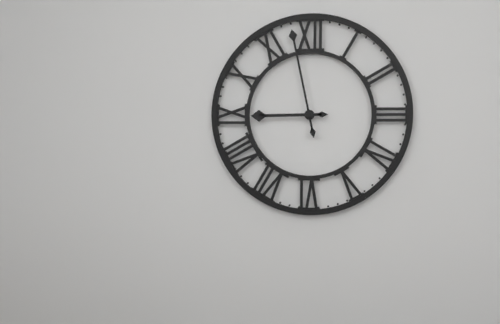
8:58
